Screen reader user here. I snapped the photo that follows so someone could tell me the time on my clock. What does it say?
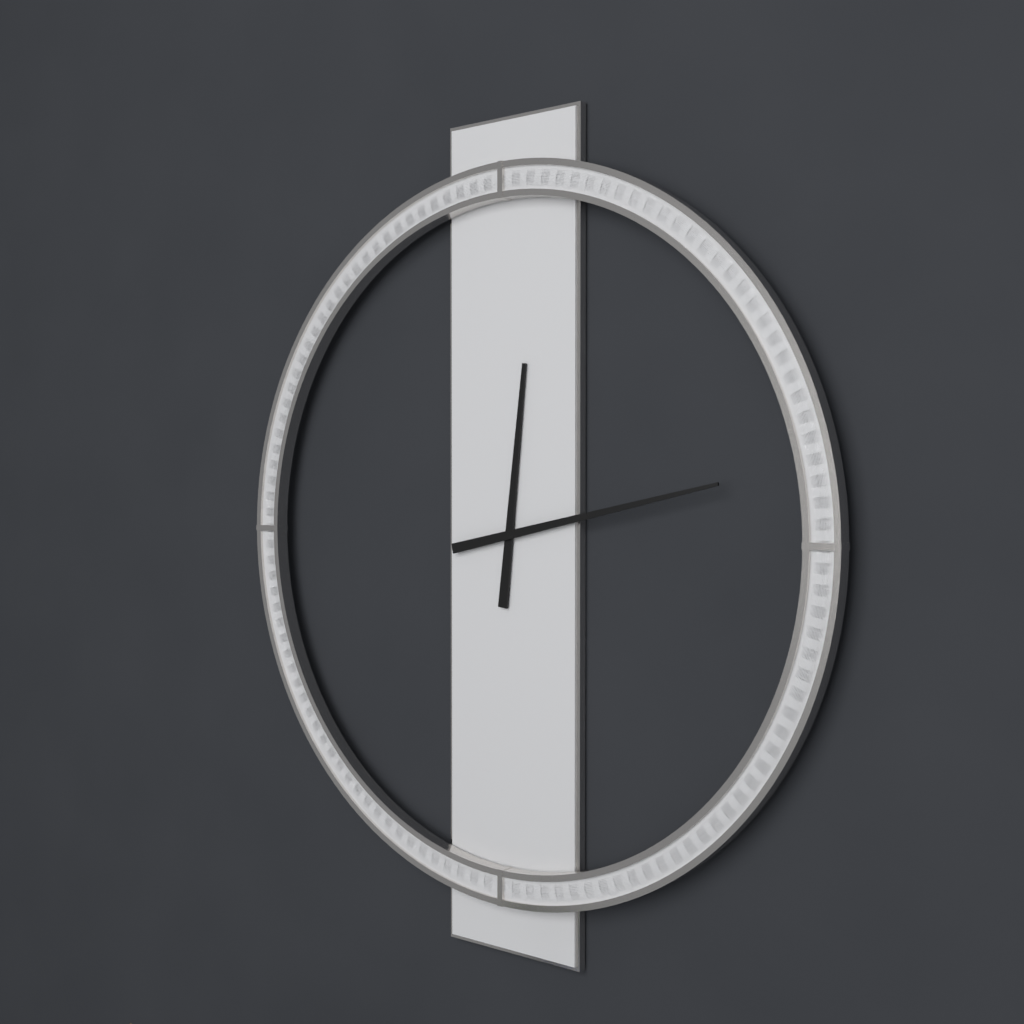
12:13
